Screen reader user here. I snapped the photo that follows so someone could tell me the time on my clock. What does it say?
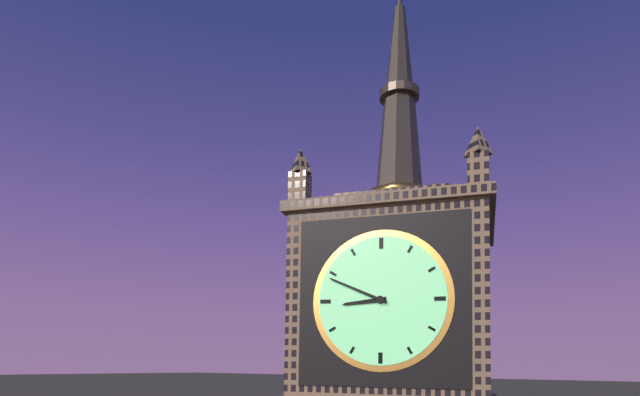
8:49
